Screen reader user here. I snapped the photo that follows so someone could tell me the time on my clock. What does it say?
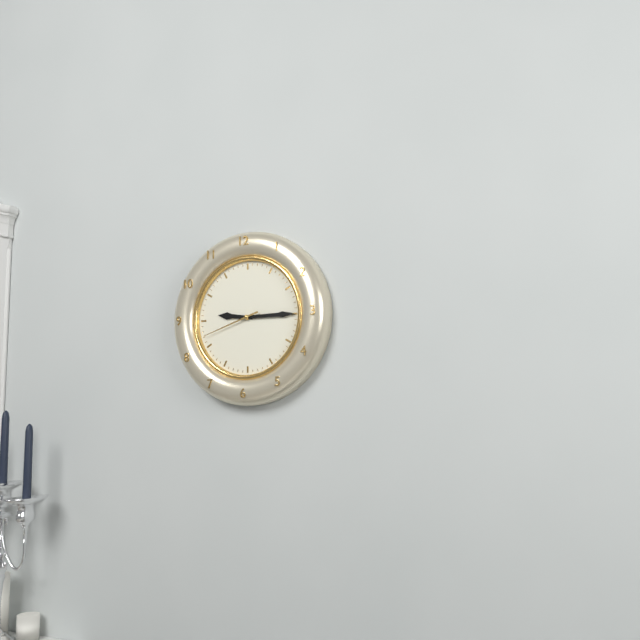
9:15:42
